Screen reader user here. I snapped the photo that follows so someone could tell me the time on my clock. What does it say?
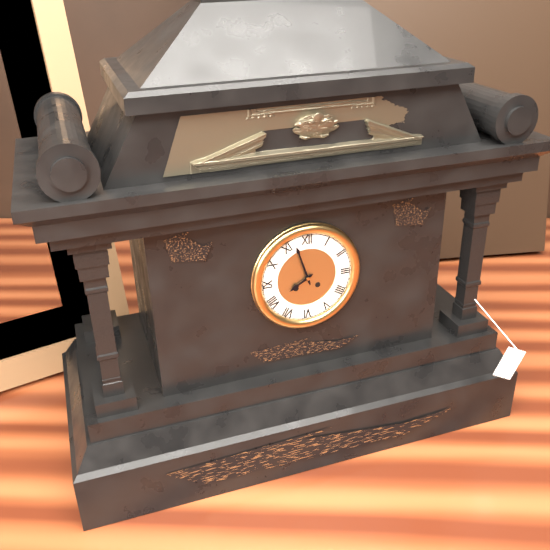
7:57
